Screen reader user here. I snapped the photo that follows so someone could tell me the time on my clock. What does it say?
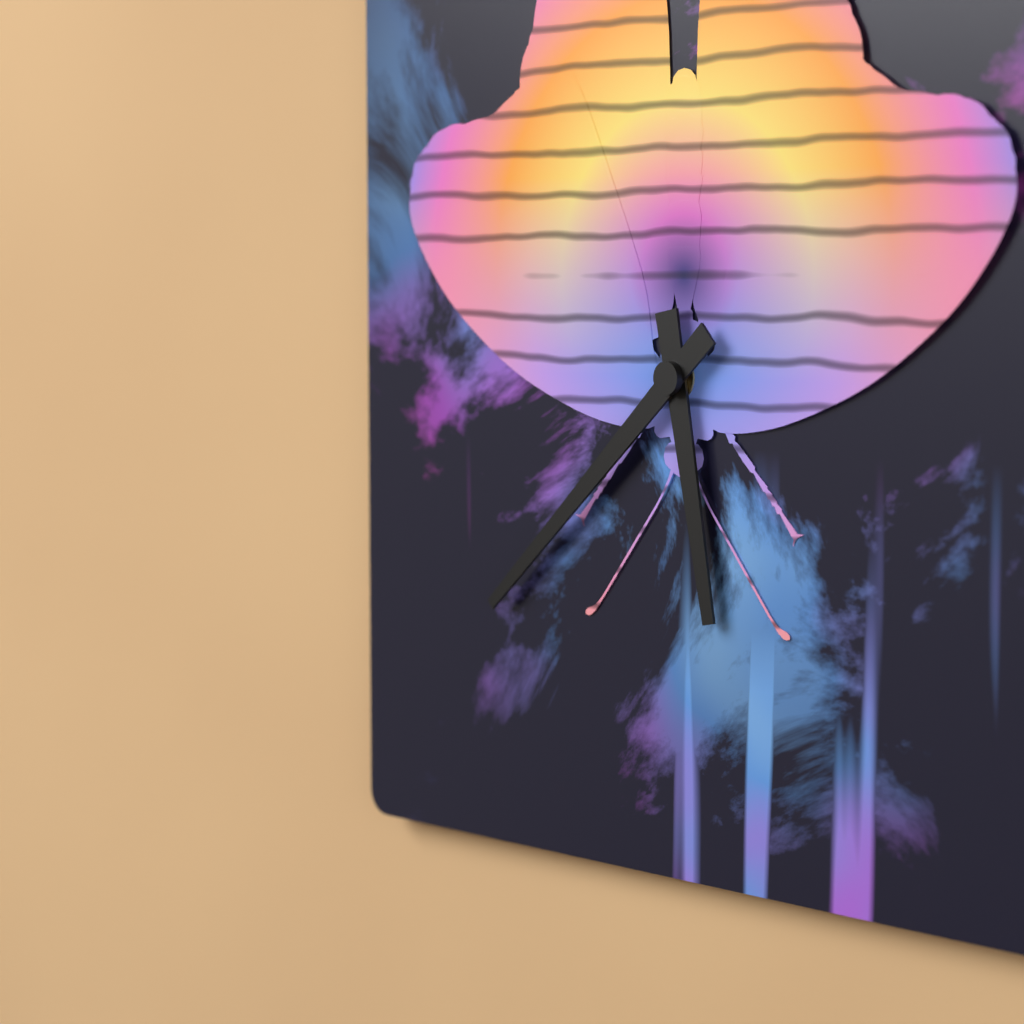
5:38
